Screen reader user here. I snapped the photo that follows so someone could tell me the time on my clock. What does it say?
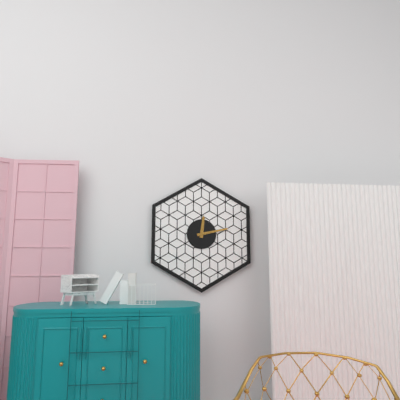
12:13
